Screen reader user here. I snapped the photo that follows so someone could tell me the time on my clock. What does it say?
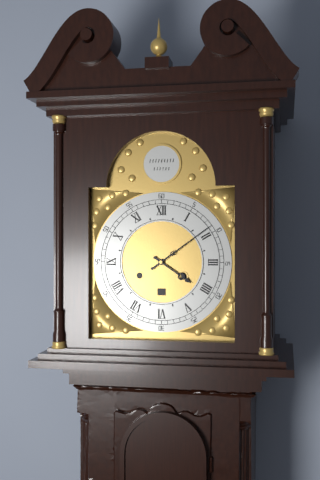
4:09
